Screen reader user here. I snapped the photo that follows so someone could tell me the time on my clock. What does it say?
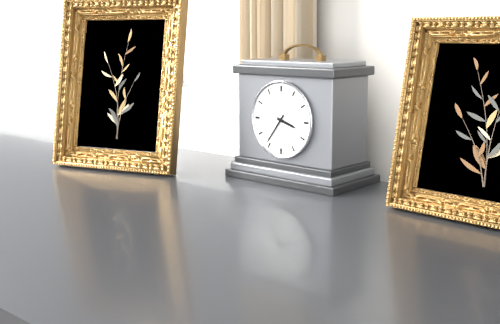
3:36
